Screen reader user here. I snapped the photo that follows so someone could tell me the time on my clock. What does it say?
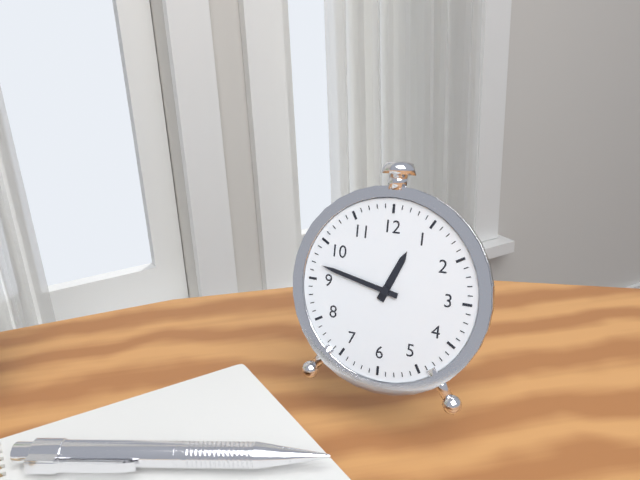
12:47
